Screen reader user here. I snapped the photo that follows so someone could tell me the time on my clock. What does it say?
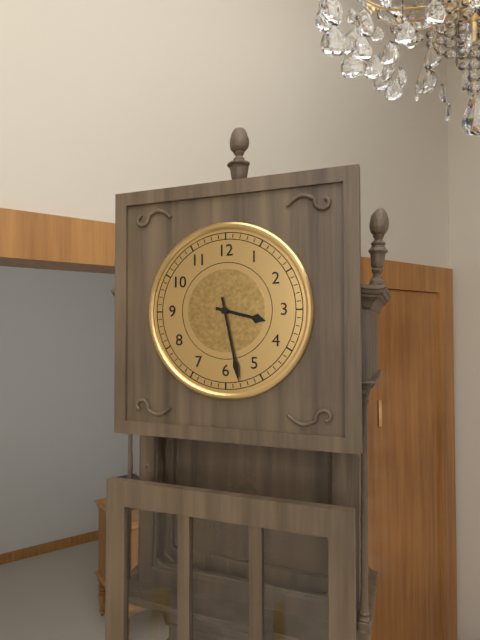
3:28
